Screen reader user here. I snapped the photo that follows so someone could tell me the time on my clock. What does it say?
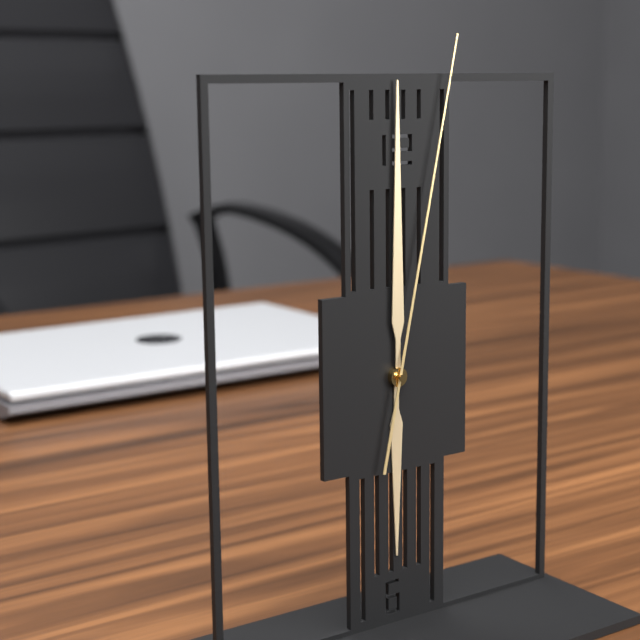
6:00:02
